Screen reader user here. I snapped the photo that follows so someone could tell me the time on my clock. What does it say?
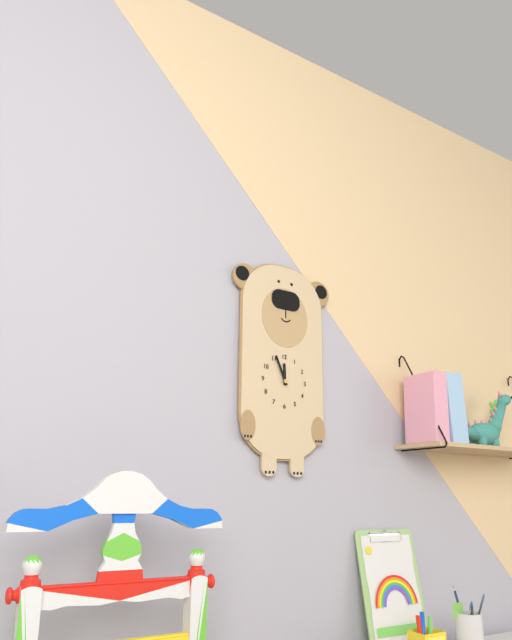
11:56
